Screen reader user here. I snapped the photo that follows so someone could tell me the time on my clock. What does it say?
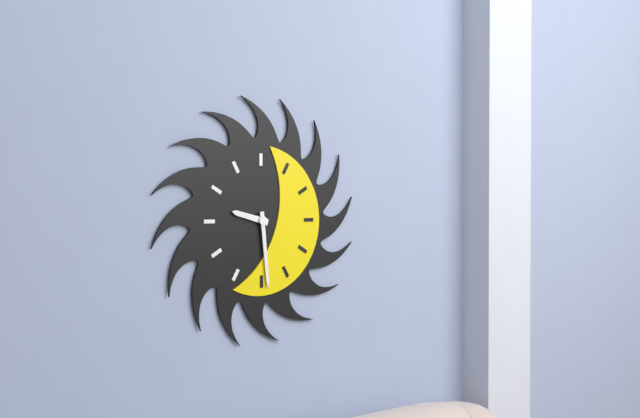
9:29
